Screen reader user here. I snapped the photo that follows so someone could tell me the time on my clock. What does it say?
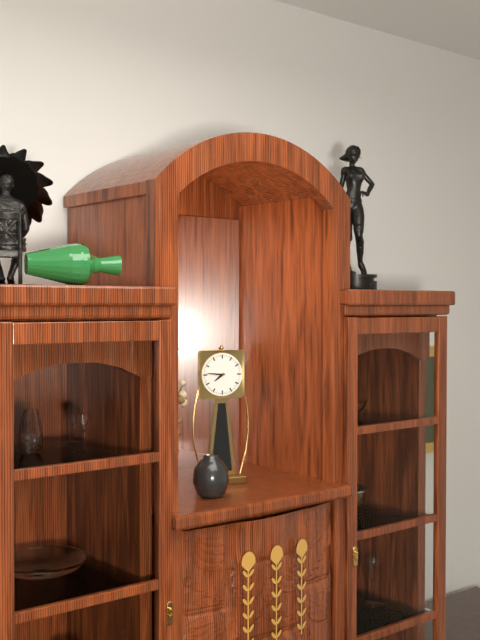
7:46
